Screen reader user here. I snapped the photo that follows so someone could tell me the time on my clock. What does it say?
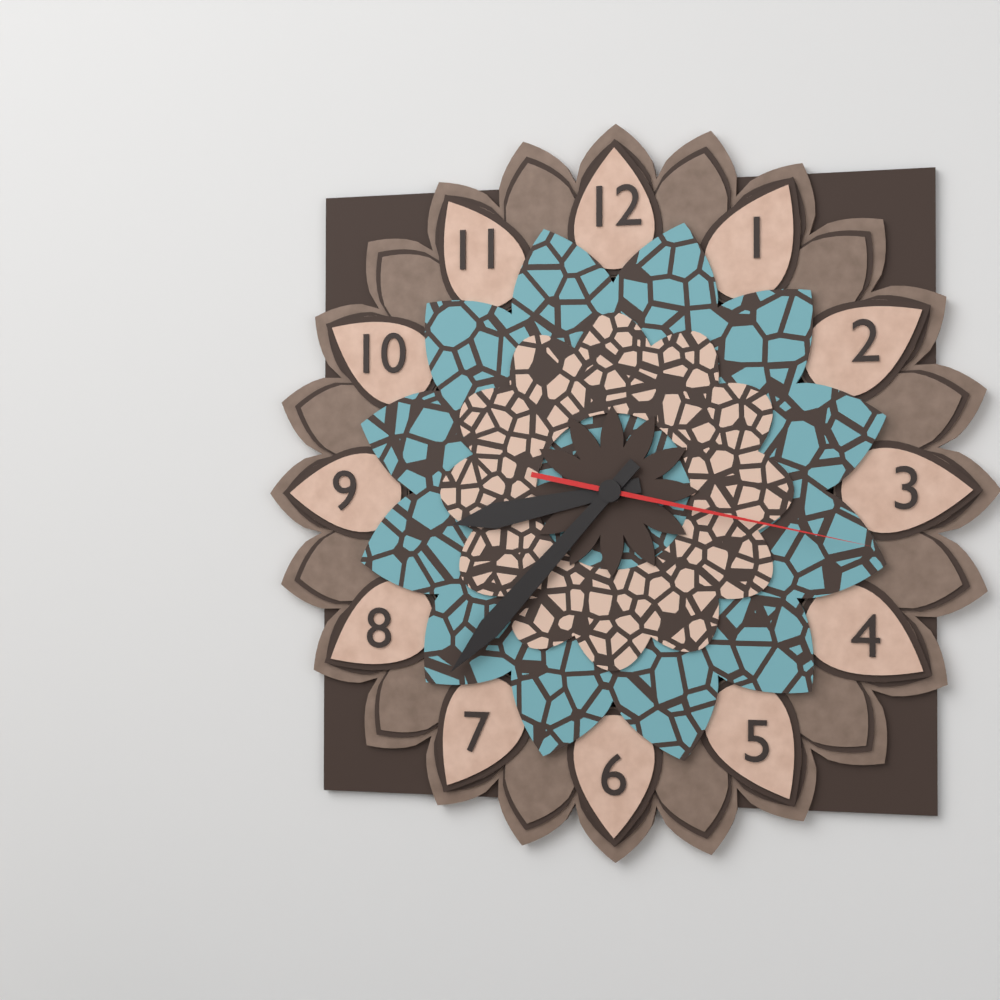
8:37:17
